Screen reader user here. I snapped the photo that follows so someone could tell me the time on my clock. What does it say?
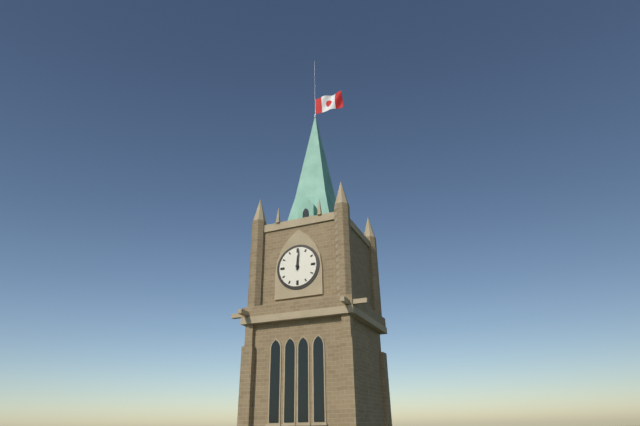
12:01
